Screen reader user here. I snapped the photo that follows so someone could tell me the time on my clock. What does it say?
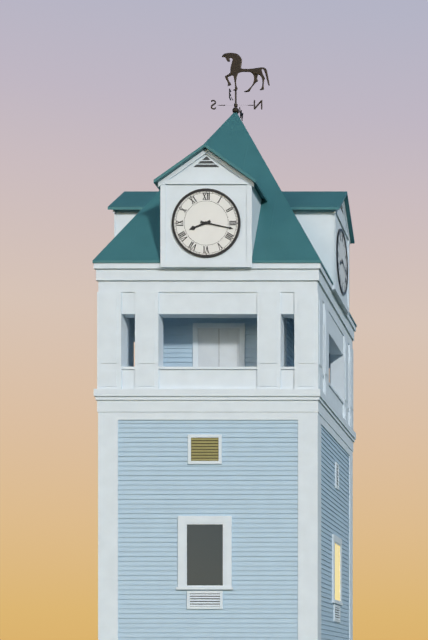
8:17
